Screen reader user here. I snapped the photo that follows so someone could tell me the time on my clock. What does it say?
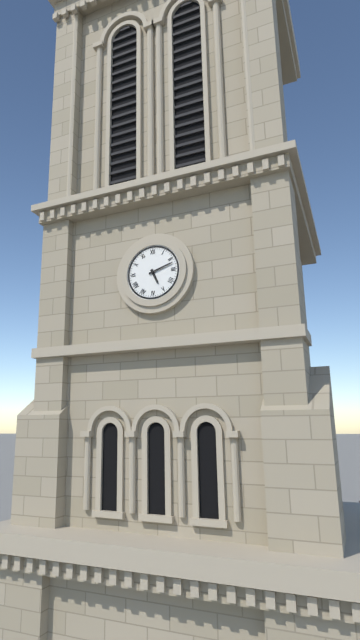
5:12
